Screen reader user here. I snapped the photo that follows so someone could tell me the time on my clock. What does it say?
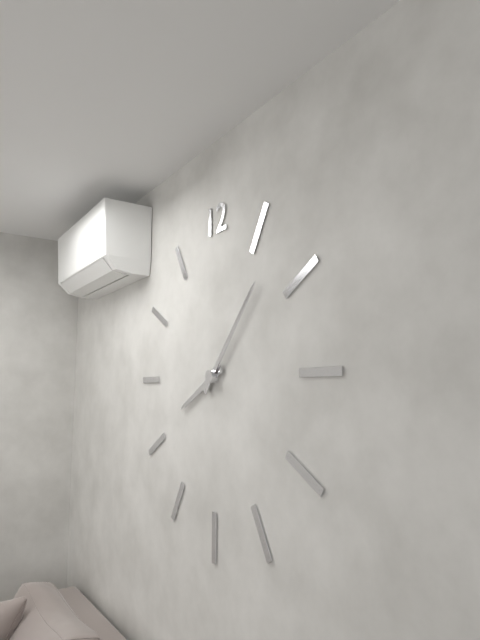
8:07
